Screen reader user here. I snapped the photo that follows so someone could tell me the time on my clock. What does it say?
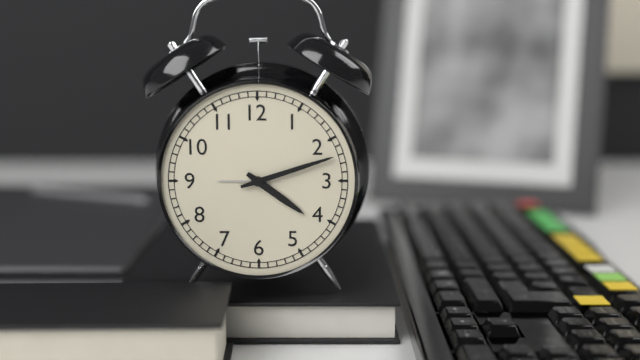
4:12
